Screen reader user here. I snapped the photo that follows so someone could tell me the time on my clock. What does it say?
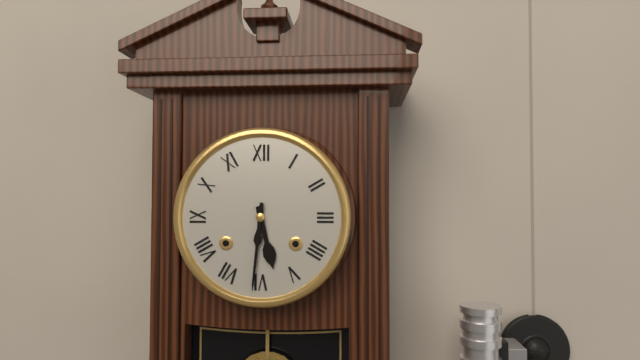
5:31
